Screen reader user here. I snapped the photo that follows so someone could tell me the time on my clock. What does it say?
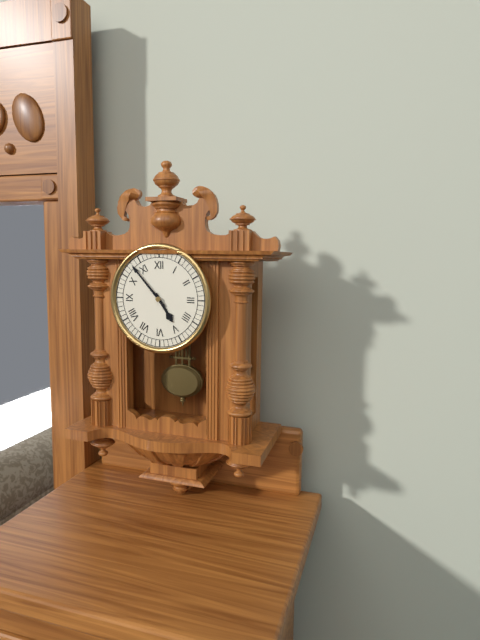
4:53
